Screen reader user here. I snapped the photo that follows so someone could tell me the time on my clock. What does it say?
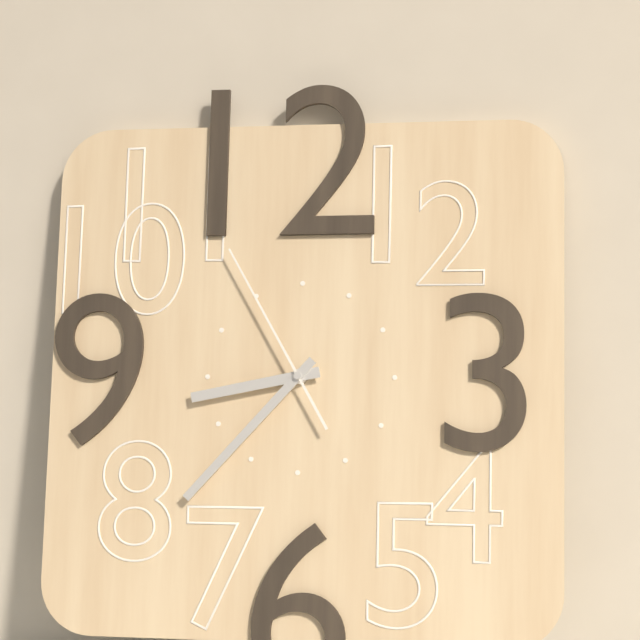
8:37:55
